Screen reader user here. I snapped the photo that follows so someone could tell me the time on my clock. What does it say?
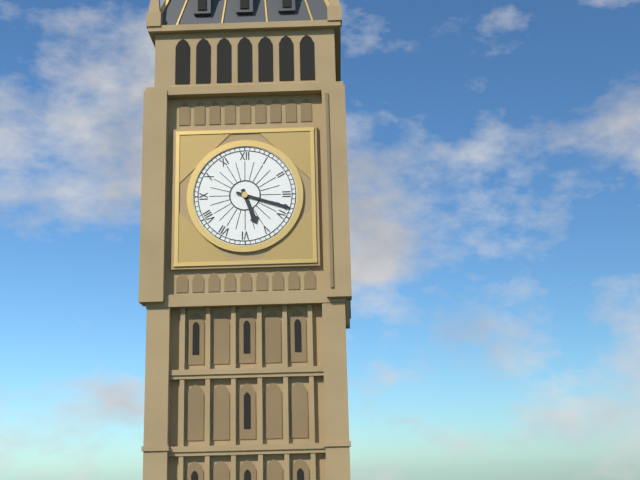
5:18
